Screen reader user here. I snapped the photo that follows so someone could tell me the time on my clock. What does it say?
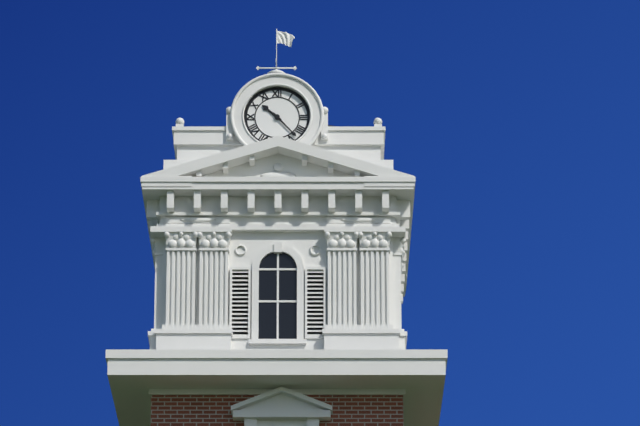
10:23
